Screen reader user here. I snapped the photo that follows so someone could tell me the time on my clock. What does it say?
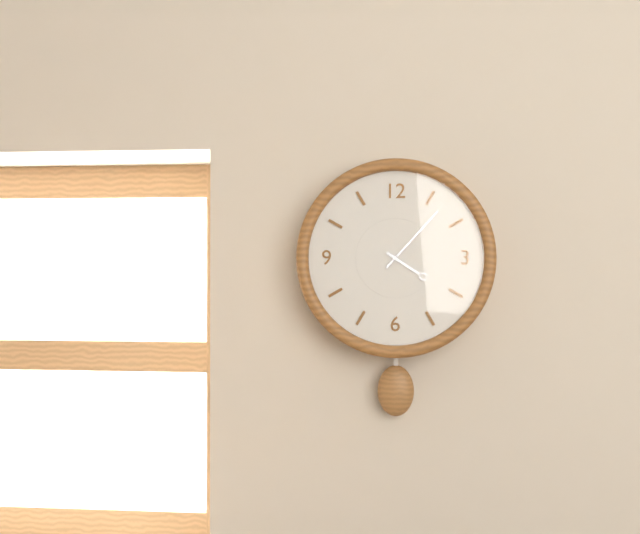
4:07
